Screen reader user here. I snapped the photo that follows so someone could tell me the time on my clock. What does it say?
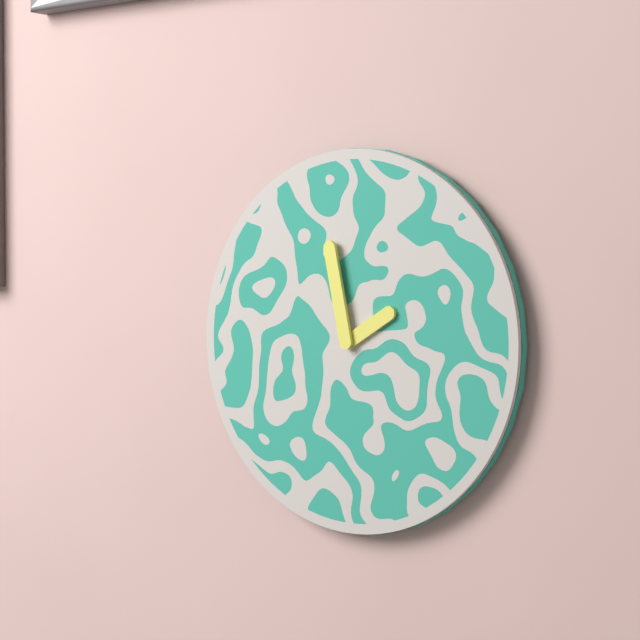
1:58
